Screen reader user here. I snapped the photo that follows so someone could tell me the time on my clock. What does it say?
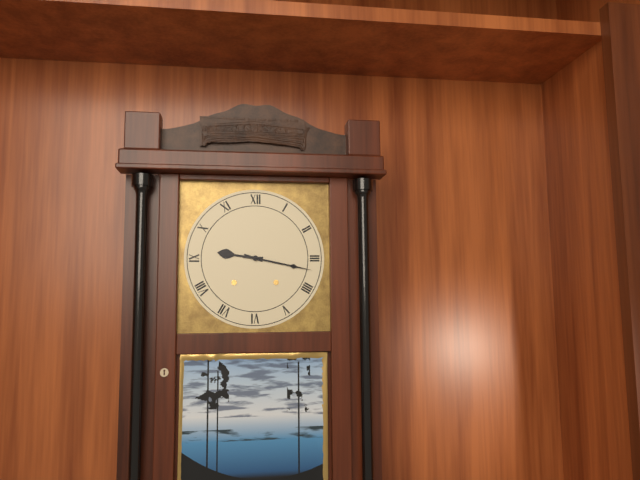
9:17
